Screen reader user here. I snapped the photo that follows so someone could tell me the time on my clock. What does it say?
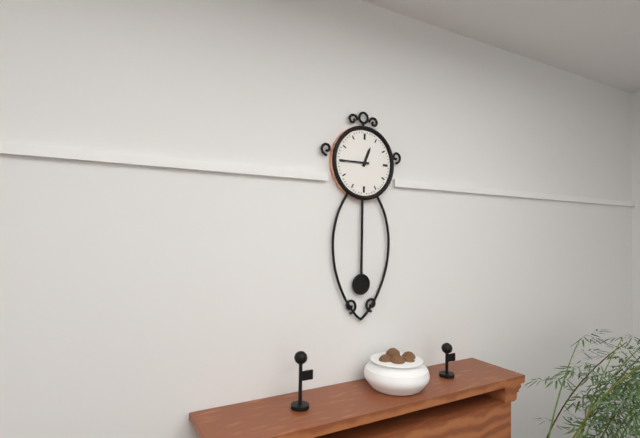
12:45
